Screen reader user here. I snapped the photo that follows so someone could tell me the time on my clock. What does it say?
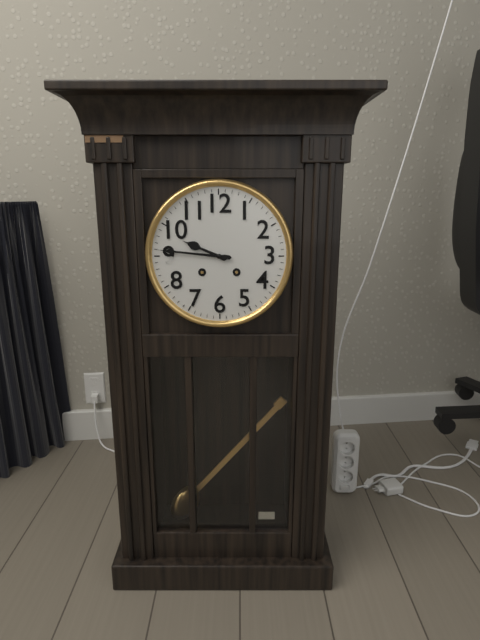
9:46
